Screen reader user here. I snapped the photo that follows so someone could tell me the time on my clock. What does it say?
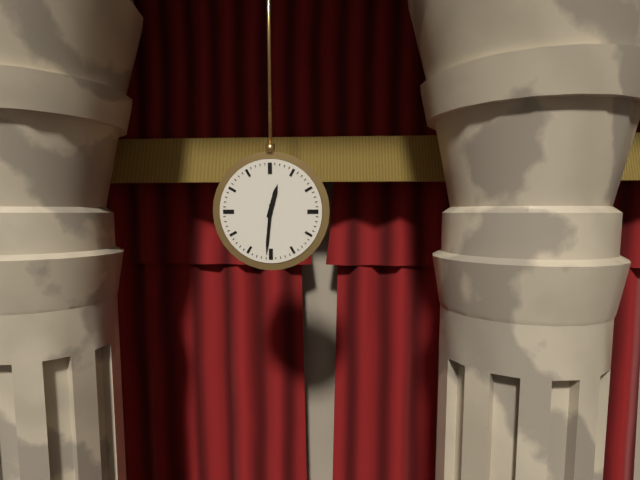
12:31
